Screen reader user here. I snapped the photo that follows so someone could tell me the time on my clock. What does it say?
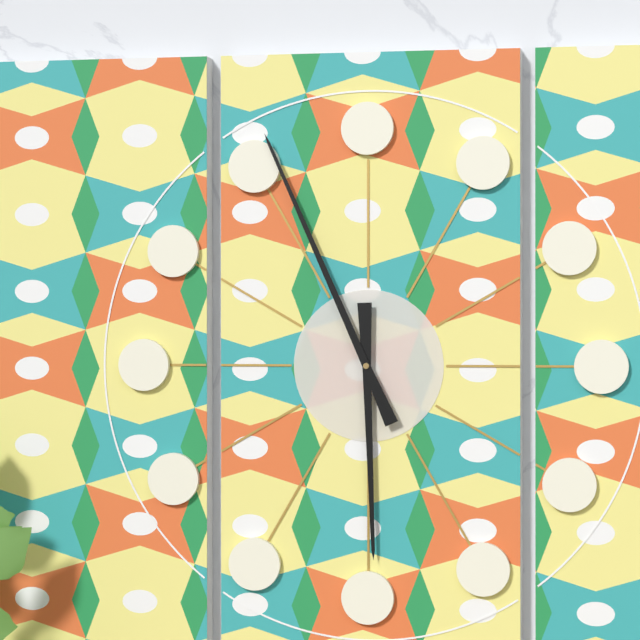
5:56
